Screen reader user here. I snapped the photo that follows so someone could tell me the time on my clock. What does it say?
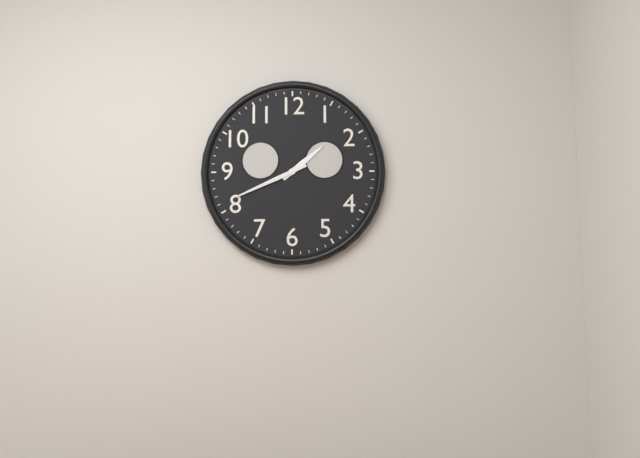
1:41
